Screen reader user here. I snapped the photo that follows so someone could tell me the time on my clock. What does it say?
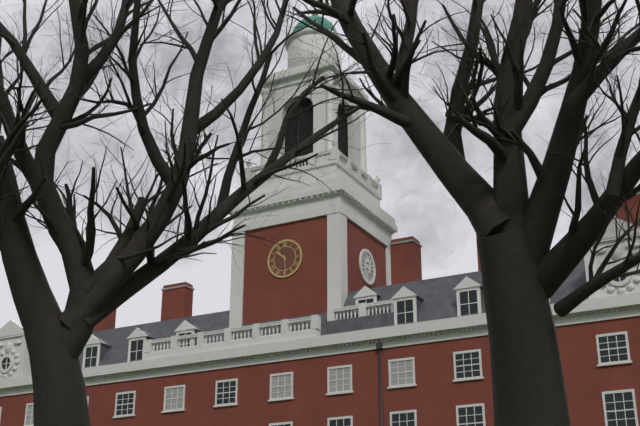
10:29
